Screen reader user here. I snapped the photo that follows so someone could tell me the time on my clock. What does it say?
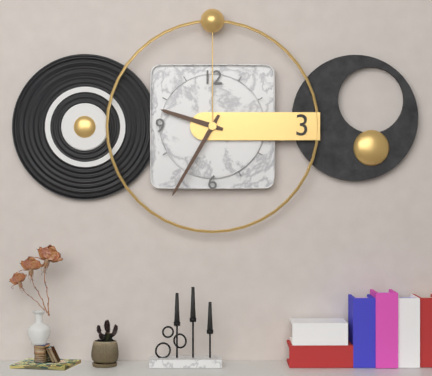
9:35
